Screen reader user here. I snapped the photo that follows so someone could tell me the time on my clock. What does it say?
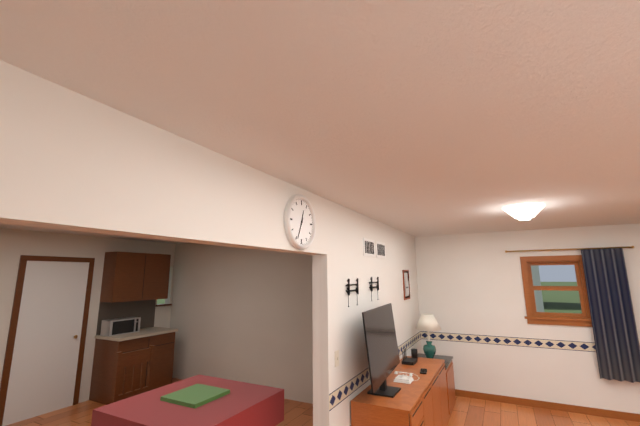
12:34
